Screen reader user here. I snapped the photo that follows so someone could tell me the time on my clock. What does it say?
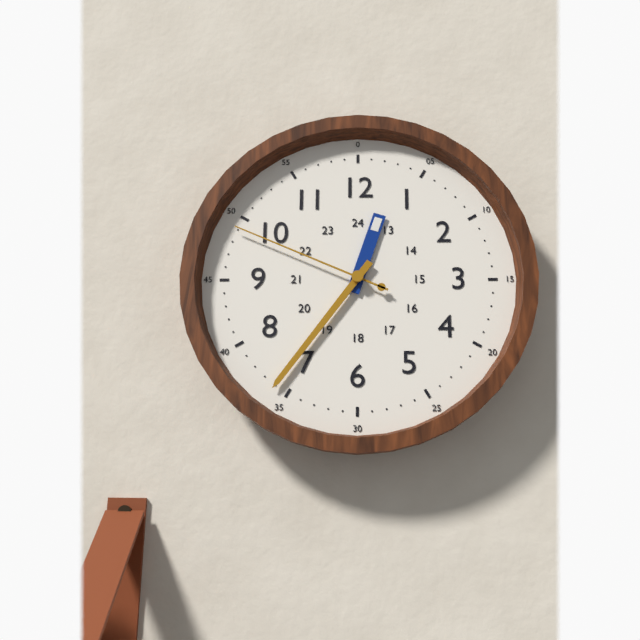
12:36:49
